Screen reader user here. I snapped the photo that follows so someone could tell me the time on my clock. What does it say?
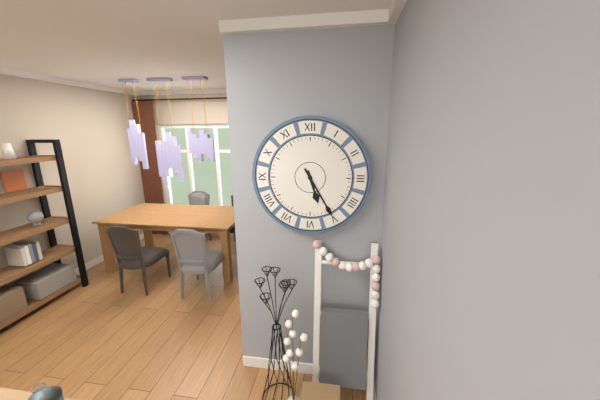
5:25
